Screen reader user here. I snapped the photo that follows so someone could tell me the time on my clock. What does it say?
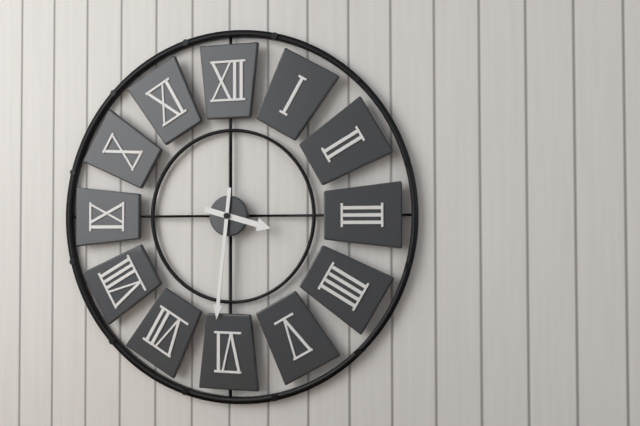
3:31
